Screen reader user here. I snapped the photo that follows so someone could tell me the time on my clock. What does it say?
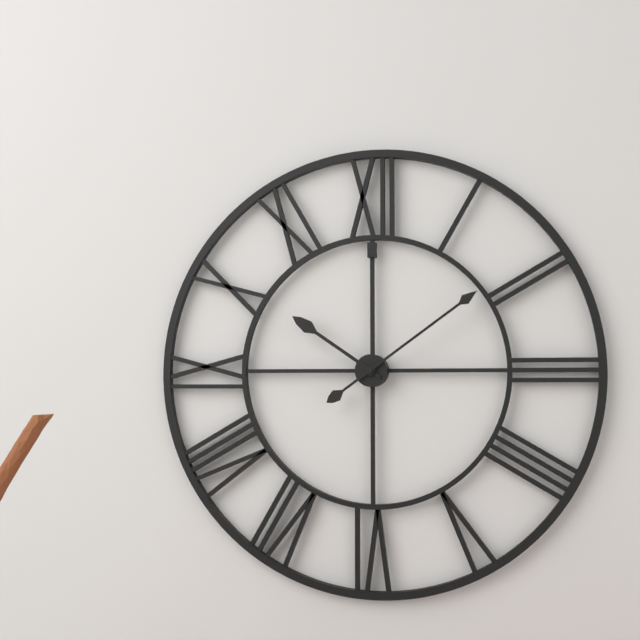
10:09
